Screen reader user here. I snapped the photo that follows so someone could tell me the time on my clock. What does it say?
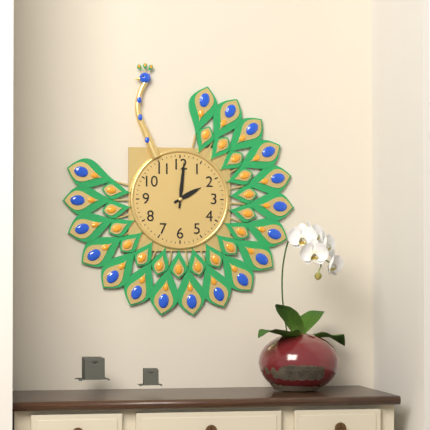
2:01
